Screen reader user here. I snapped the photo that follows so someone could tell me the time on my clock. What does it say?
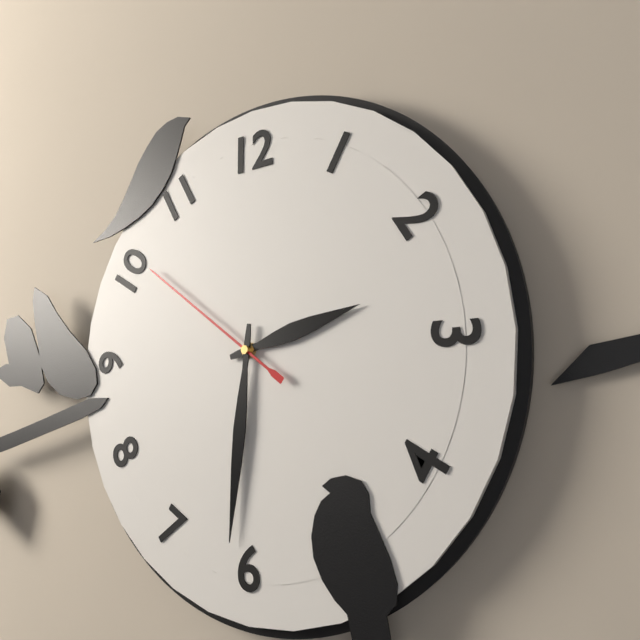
2:31:51
